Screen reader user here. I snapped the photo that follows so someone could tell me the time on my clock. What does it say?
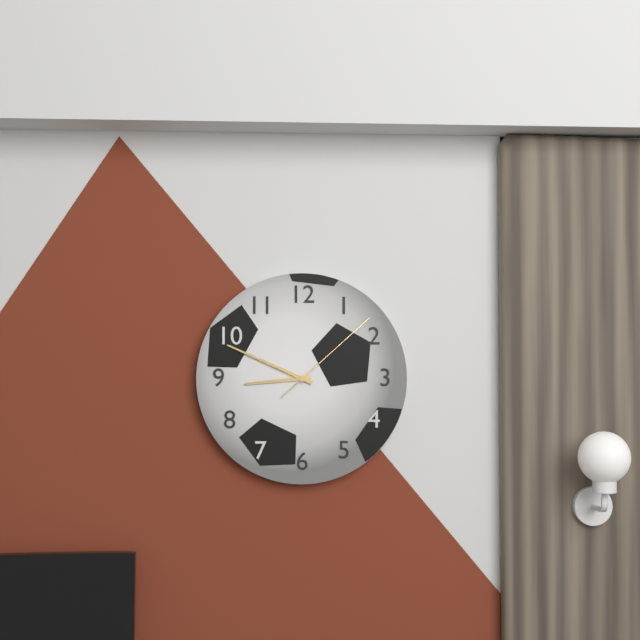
8:49:08
